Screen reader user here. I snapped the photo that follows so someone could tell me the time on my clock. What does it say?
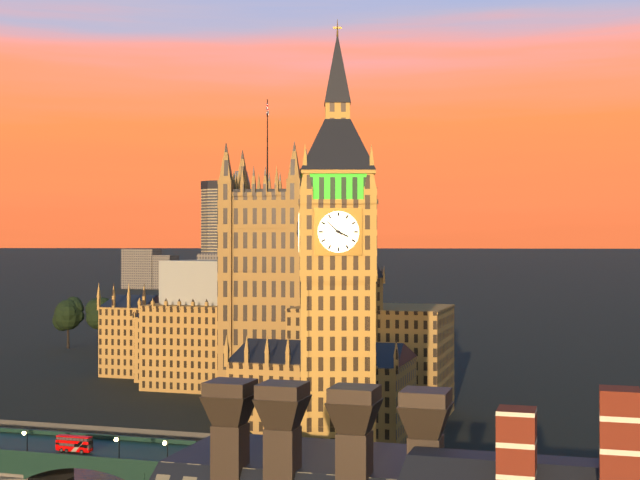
3:52
